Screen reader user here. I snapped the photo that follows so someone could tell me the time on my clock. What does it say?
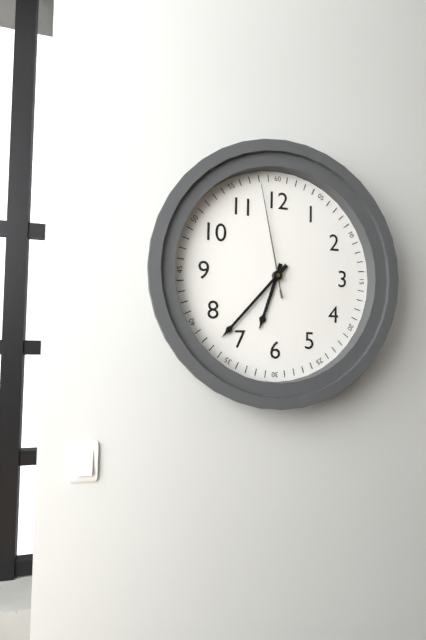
6:37:58
